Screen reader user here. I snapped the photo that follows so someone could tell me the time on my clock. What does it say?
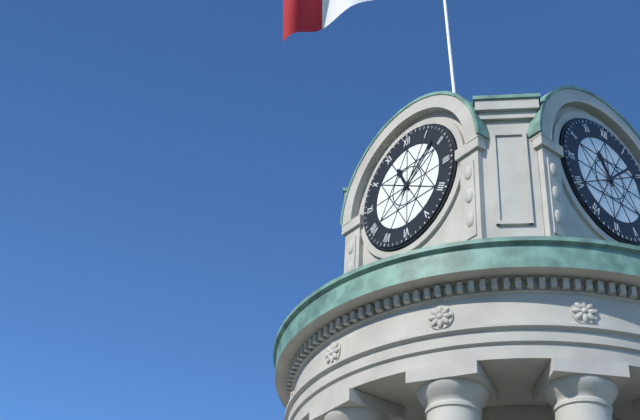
11:08
